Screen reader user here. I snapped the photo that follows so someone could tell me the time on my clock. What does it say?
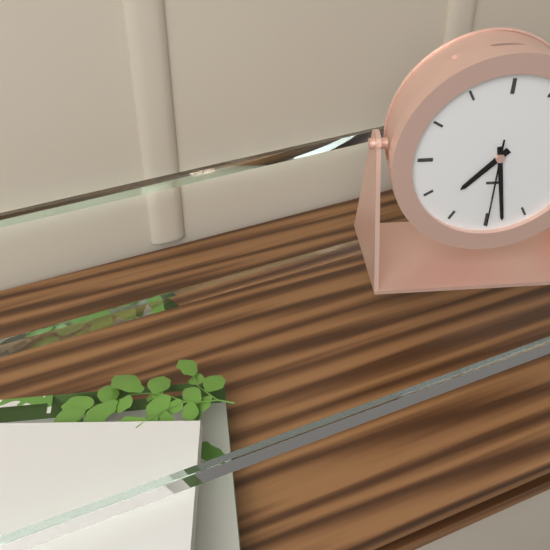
7:28:30
